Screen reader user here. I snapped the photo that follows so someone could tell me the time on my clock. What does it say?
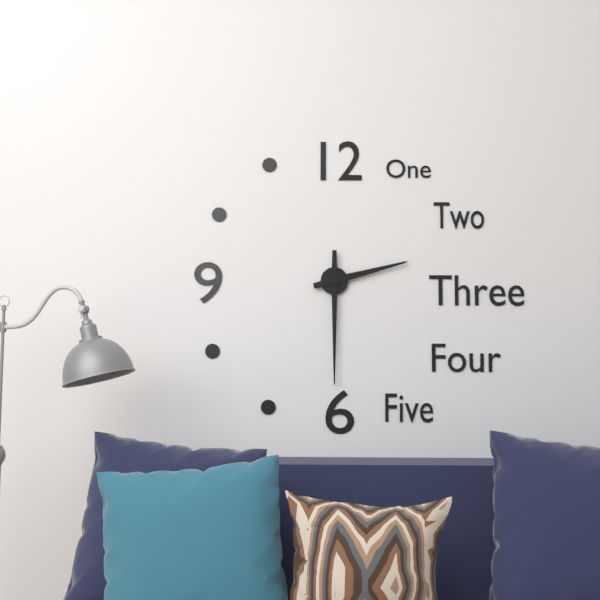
2:30
